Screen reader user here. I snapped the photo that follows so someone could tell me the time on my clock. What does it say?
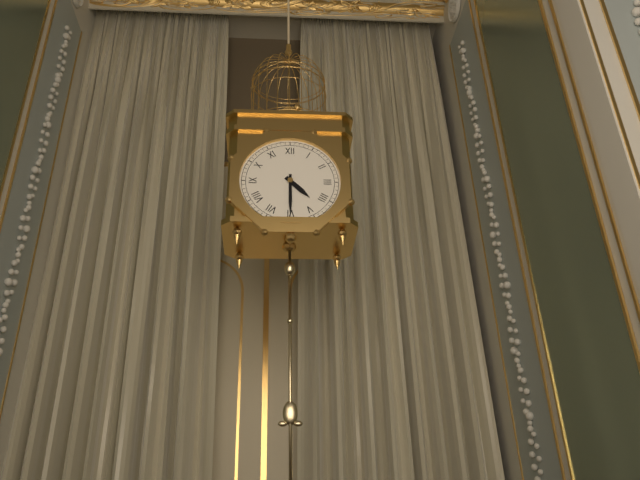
4:30
